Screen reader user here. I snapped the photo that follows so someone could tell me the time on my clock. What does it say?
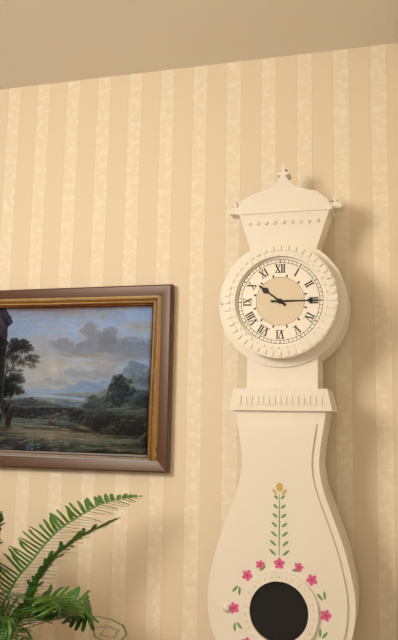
10:15
